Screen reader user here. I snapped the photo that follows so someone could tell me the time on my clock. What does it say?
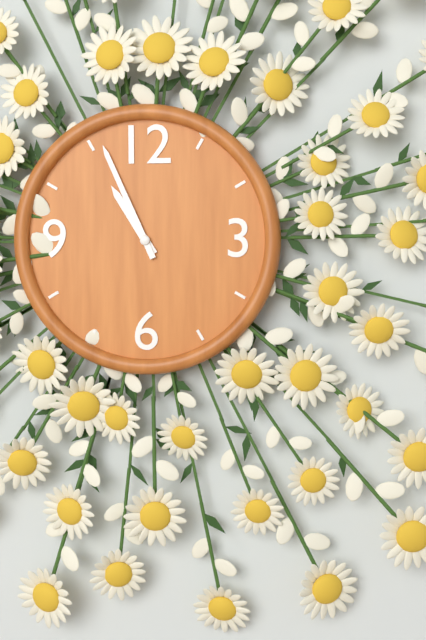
10:56
